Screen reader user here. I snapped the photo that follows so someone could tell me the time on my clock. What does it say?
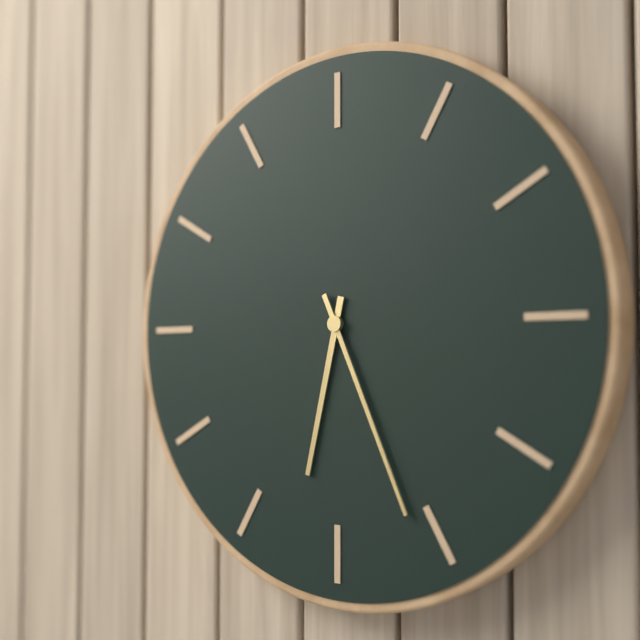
6:26
